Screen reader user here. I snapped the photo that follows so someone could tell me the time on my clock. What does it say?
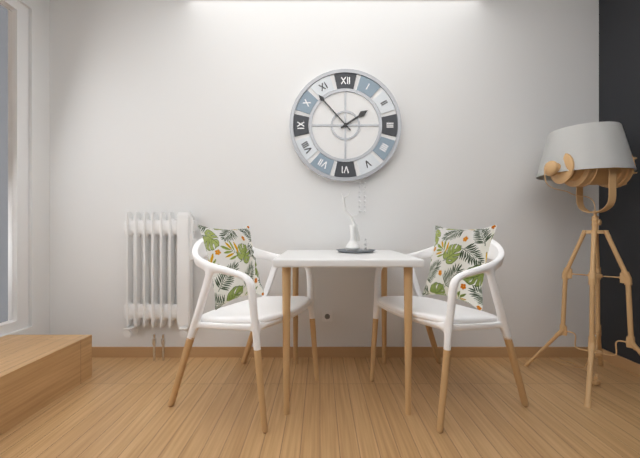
1:53
